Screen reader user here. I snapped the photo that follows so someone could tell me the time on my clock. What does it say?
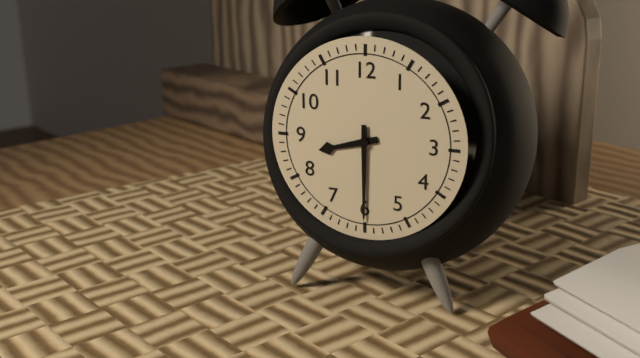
8:30
